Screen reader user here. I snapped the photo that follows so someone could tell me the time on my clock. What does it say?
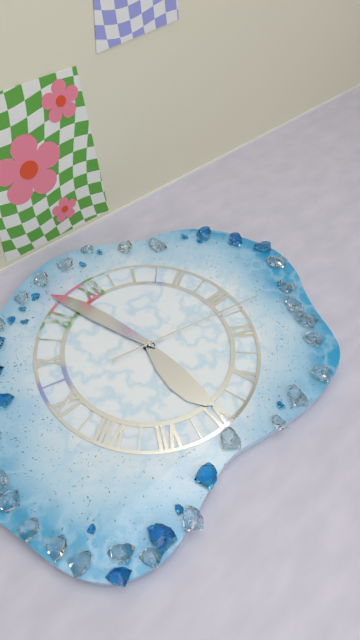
5:57:17
